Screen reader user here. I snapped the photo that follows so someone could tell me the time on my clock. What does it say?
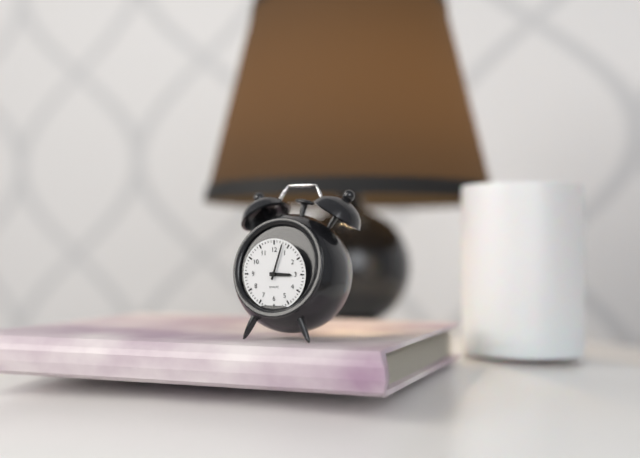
3:03
